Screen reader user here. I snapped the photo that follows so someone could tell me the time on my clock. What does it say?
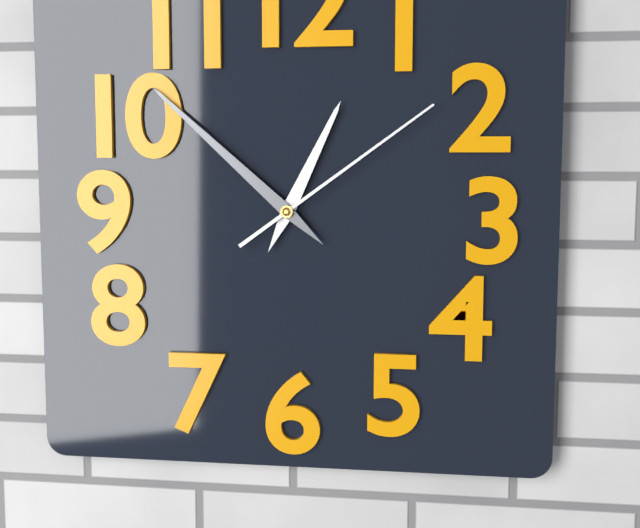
12:52:09
